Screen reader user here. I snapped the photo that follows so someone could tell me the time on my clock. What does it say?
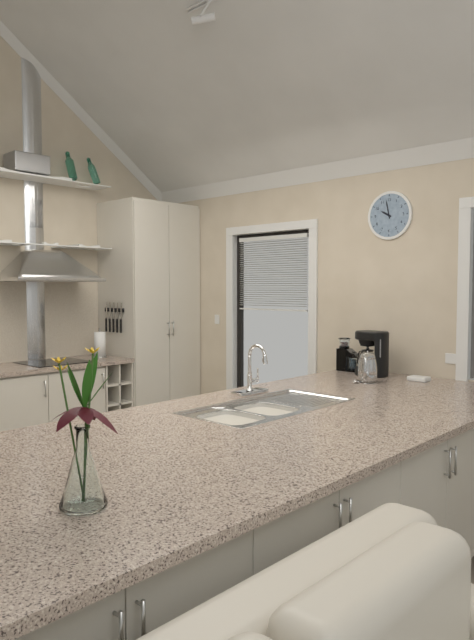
9:58
